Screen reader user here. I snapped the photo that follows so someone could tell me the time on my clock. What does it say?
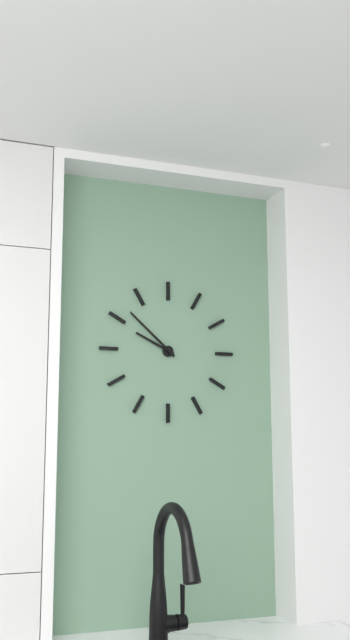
9:52
